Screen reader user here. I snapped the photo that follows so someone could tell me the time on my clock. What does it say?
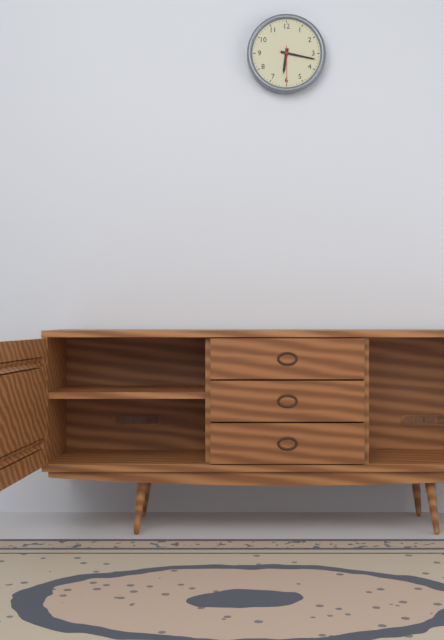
6:17
